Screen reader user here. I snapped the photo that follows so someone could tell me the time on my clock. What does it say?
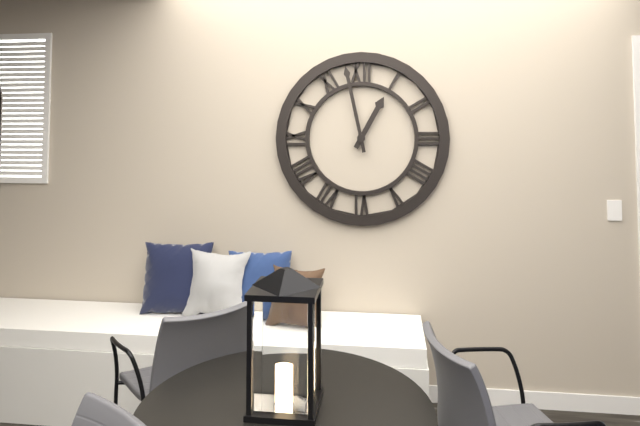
12:58
